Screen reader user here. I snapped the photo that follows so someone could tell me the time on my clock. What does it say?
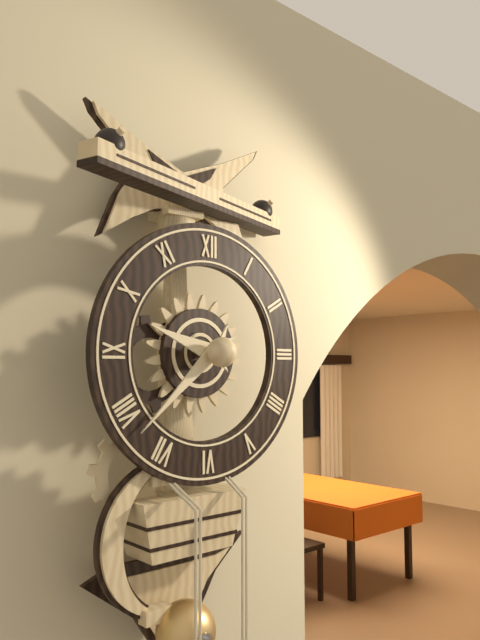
9:38
